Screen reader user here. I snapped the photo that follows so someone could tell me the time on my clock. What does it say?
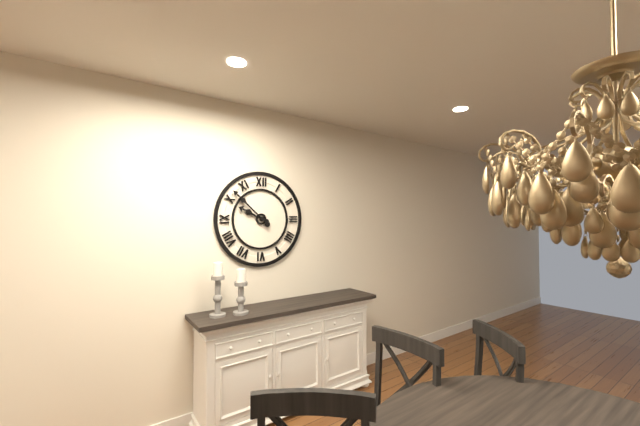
9:52
